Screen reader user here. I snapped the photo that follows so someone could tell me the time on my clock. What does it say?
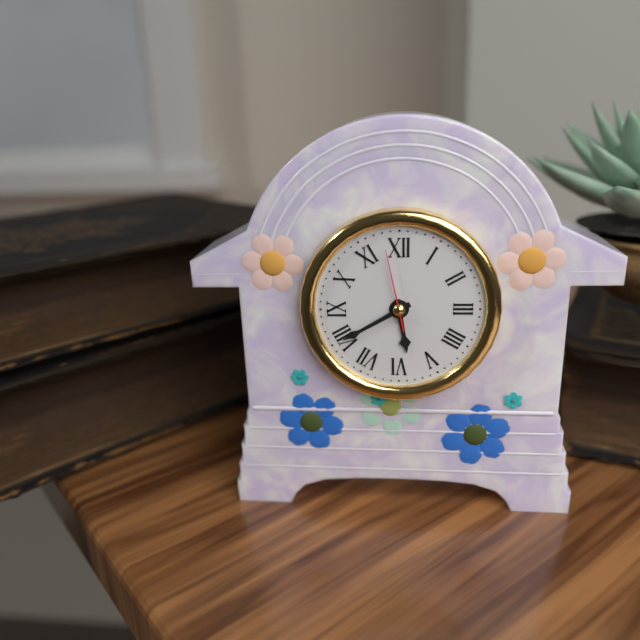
5:40:58
